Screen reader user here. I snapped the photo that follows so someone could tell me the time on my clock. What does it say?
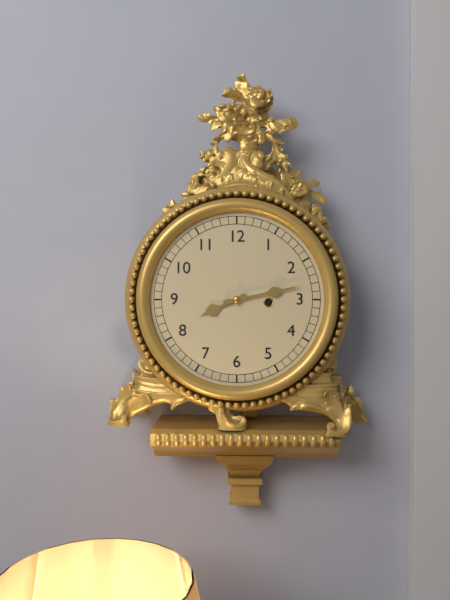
8:13
